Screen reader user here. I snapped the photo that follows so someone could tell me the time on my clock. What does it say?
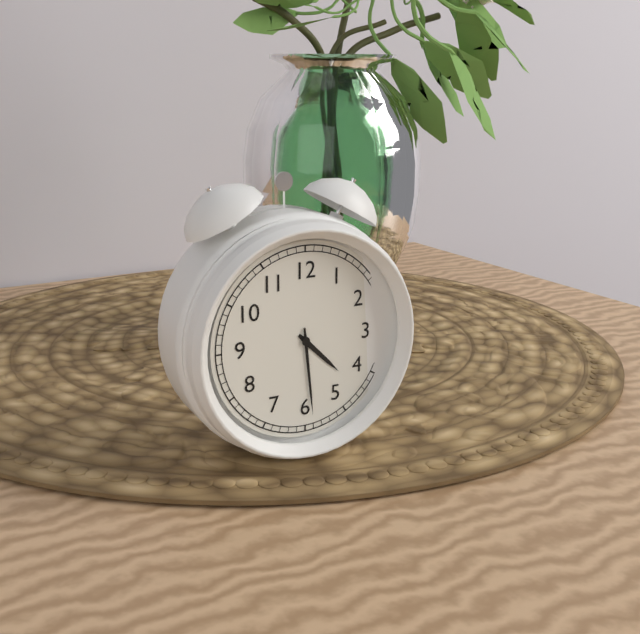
4:29
